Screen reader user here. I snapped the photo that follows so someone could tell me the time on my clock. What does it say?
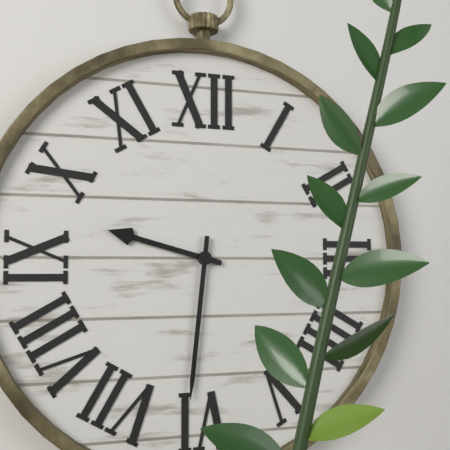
9:31
